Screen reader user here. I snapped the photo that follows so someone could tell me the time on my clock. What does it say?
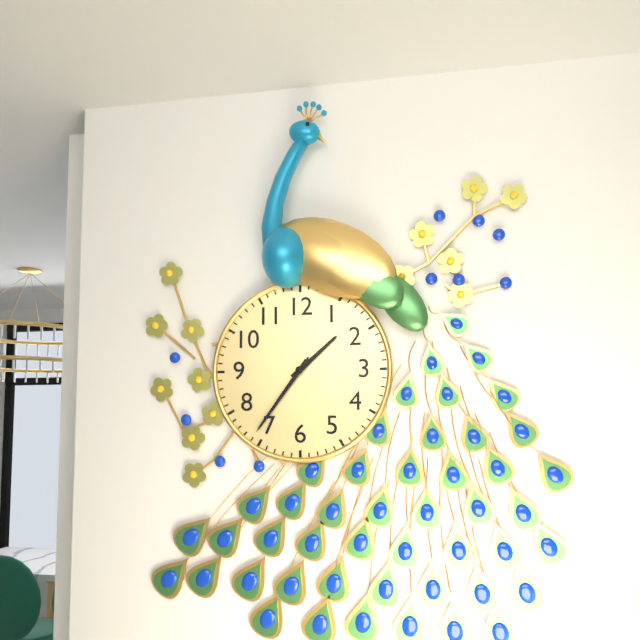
1:36:36
